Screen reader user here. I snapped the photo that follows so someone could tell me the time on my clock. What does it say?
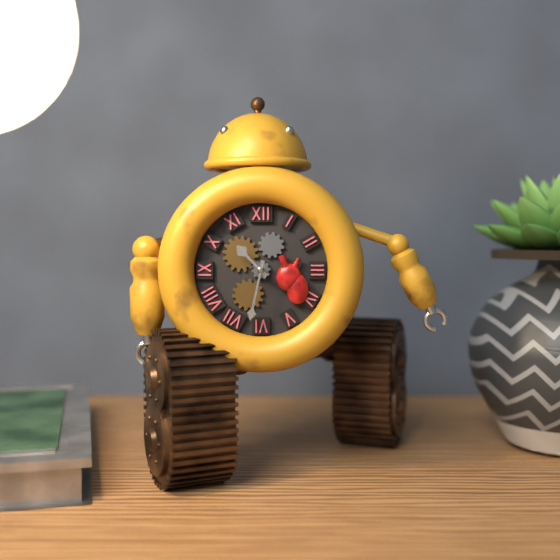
10:32
